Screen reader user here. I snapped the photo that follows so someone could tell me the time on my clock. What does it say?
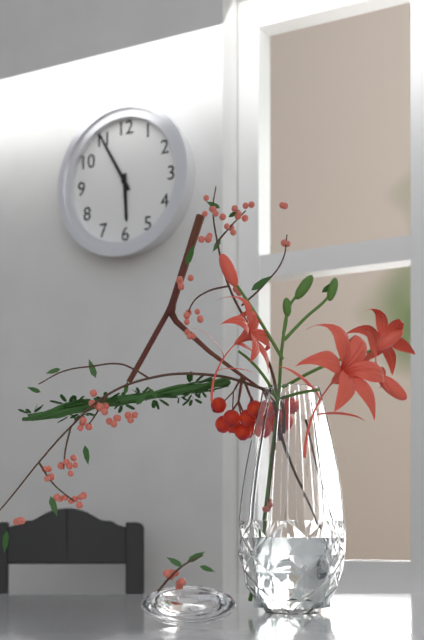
5:55
